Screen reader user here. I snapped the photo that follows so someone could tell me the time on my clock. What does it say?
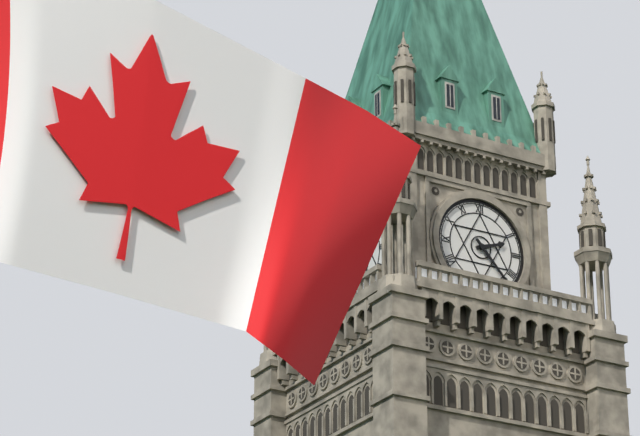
2:23
